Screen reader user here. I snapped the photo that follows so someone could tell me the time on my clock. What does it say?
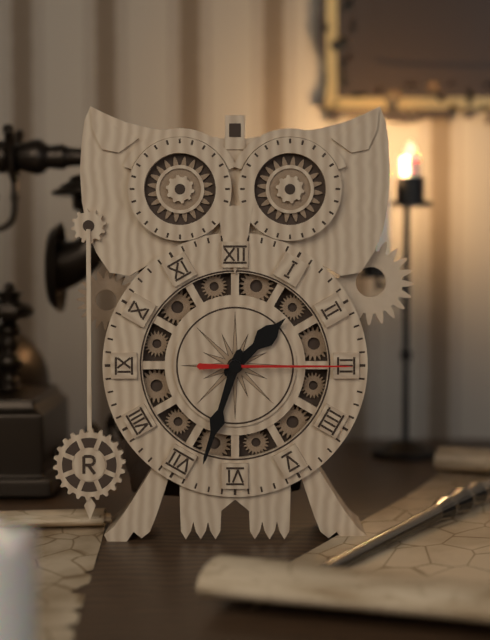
1:33:15
